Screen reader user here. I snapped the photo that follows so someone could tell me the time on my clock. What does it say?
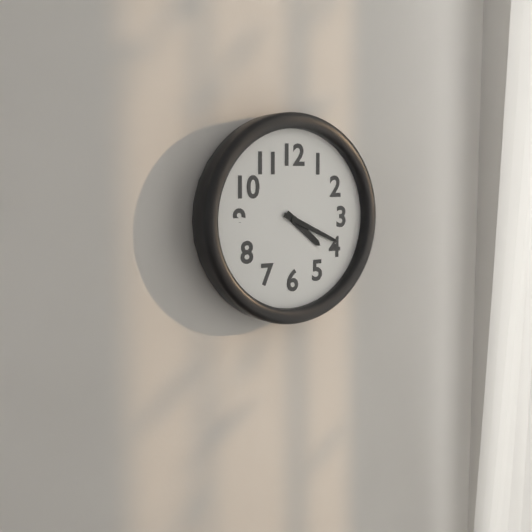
4:19
